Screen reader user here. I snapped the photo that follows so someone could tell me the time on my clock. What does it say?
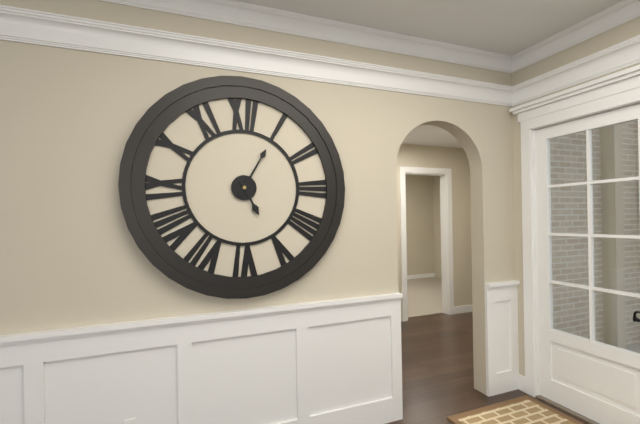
5:05
